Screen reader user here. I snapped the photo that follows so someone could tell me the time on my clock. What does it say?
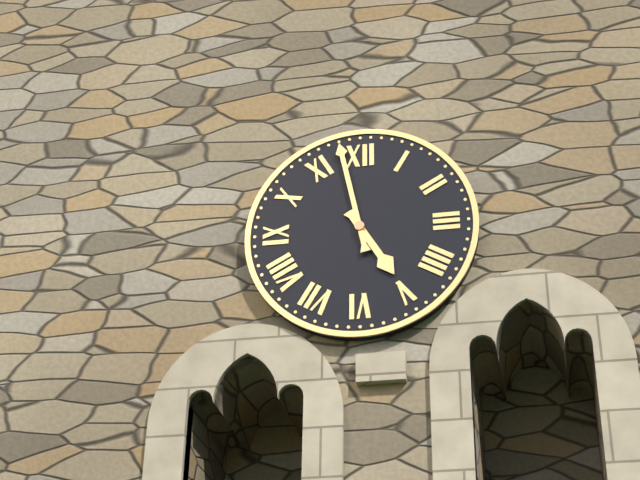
4:58
